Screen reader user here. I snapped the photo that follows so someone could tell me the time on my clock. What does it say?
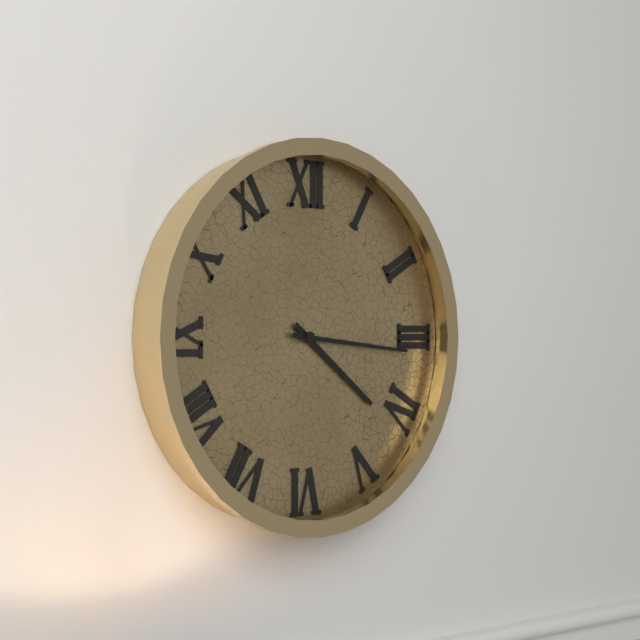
4:16
